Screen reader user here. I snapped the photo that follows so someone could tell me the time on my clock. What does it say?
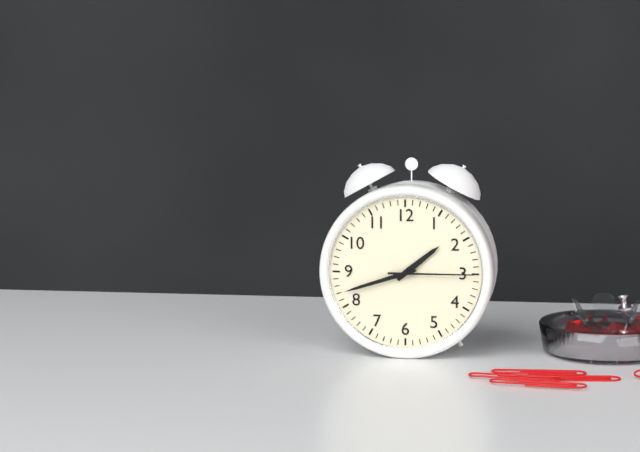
1:42:15
